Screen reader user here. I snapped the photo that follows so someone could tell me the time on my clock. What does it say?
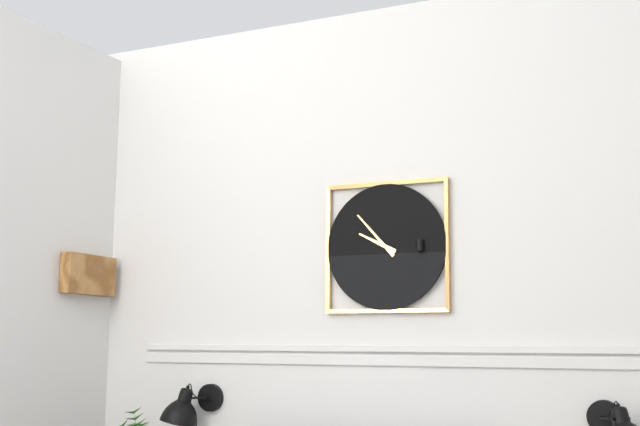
9:53
